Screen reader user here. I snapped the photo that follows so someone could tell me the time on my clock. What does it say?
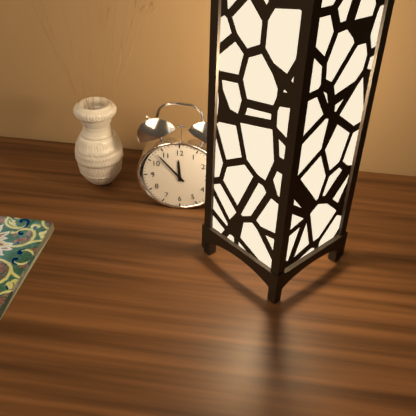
11:53
